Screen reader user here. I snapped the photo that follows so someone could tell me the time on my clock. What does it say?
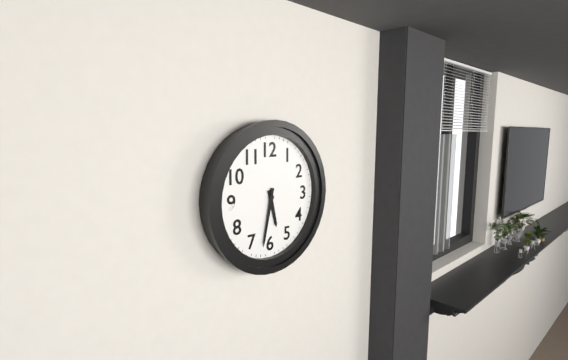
5:32
